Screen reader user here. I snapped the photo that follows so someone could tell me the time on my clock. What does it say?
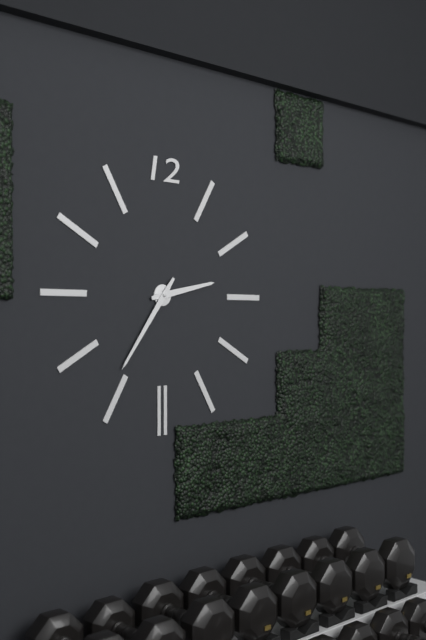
2:36
